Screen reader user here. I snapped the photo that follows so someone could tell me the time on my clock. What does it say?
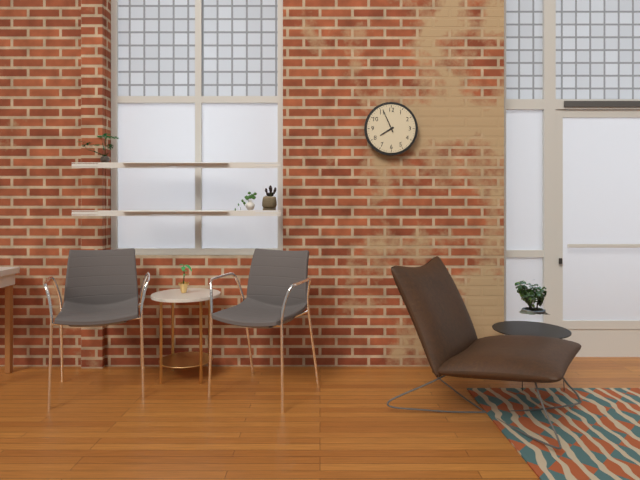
7:56
